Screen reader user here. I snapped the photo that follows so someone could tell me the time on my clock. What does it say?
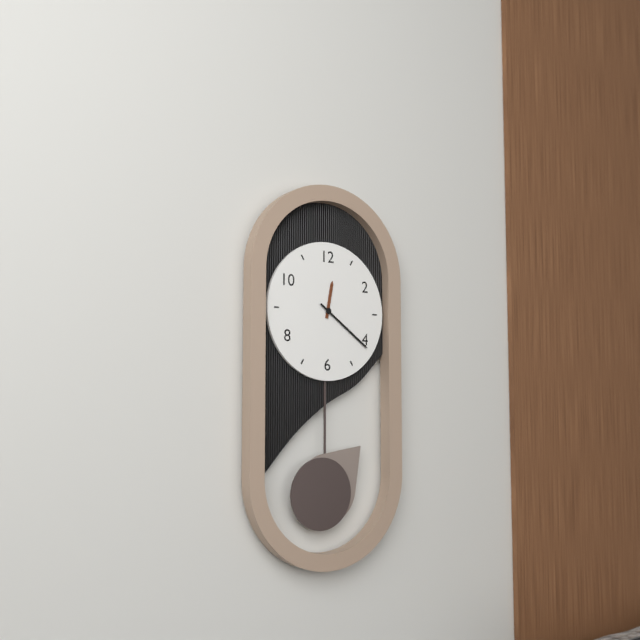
12:21
